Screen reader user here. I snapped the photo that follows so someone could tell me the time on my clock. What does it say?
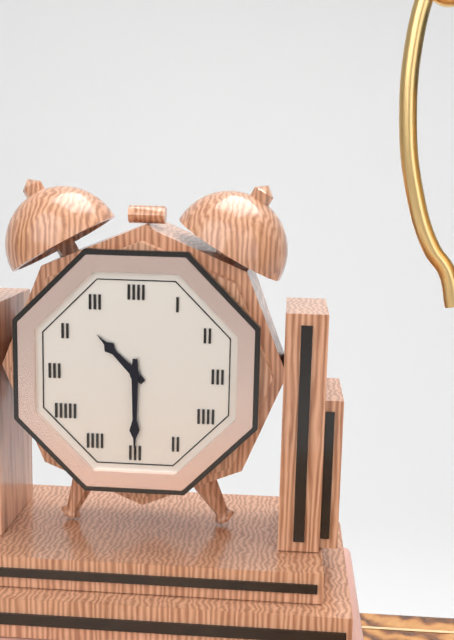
10:30
